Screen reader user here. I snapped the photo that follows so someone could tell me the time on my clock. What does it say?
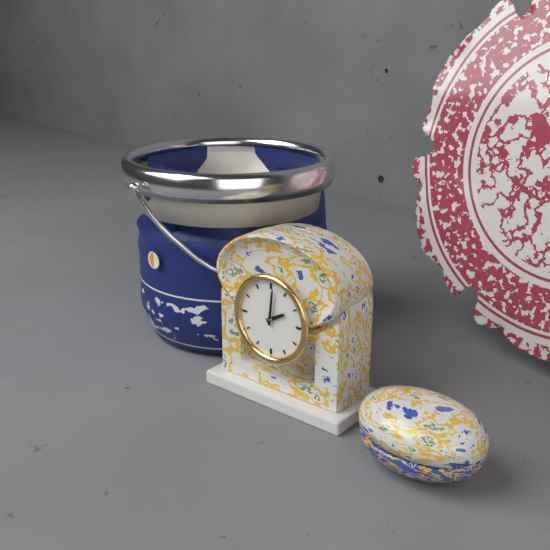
2:01
